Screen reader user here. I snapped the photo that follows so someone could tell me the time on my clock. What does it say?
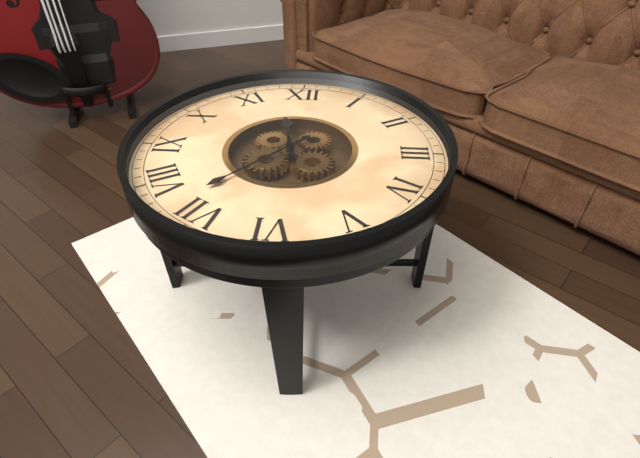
11:37
